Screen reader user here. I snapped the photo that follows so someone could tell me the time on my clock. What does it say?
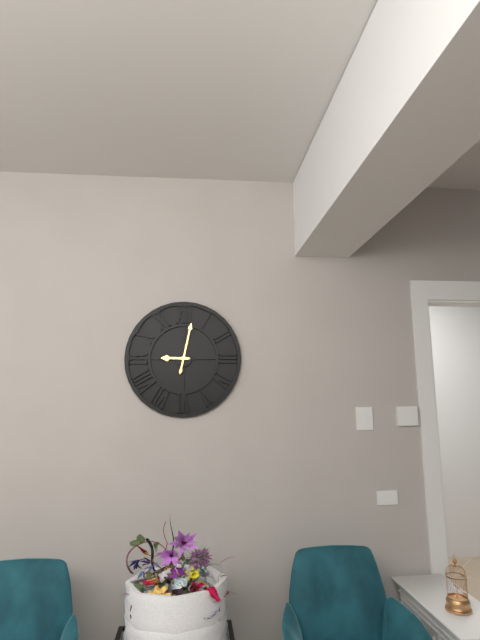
9:02
